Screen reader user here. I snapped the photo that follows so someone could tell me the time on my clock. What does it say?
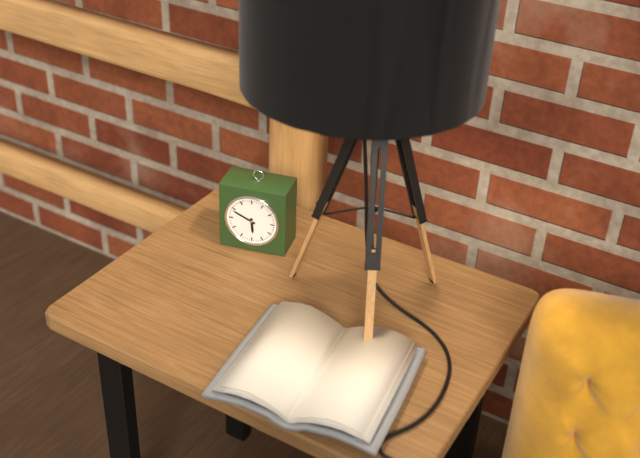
5:49
